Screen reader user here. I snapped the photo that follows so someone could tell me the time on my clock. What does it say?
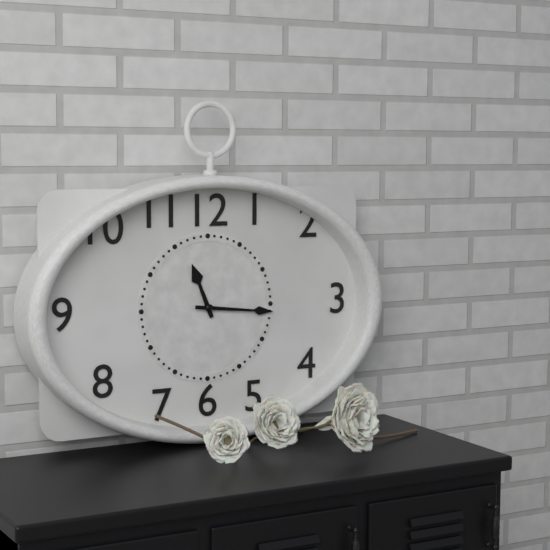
11:16
